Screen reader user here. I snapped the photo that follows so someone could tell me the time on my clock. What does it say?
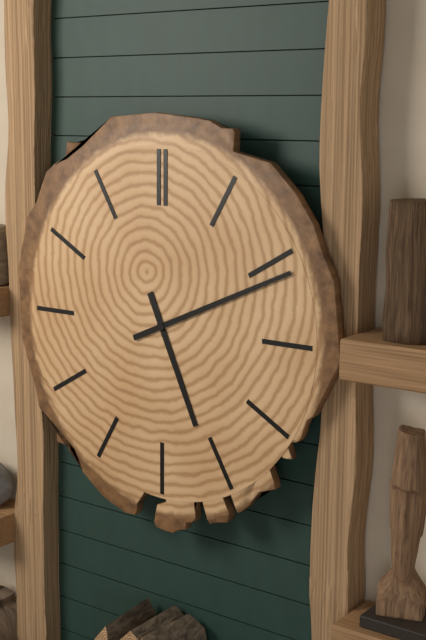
5:11
